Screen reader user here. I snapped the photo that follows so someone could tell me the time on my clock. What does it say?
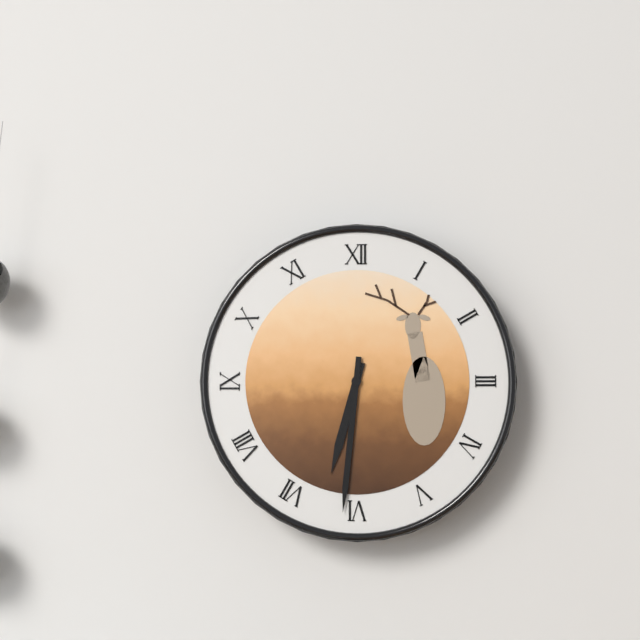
6:31
